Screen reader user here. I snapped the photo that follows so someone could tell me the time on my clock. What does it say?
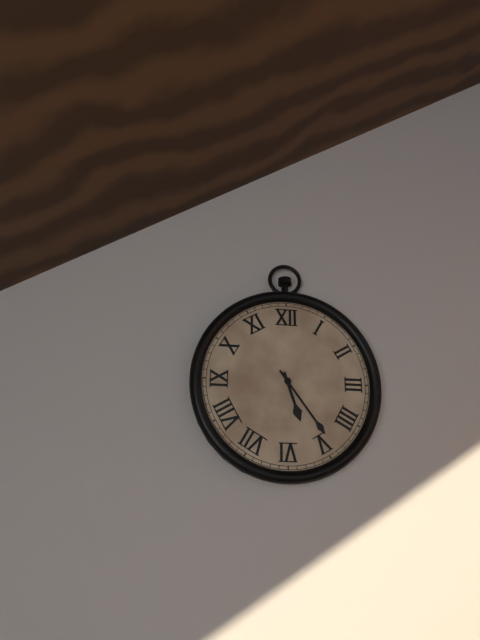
5:24
